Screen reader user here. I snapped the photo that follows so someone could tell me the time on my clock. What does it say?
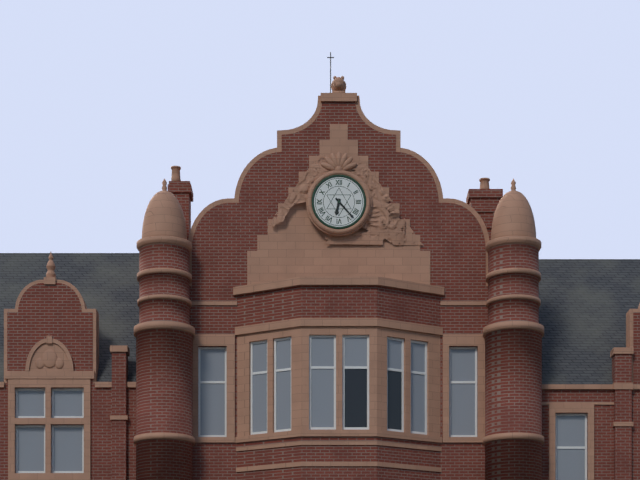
6:23
